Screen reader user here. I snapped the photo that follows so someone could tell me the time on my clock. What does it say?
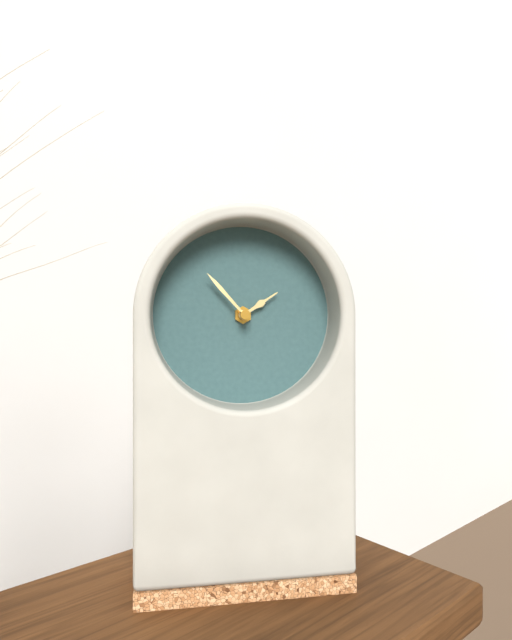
1:53
